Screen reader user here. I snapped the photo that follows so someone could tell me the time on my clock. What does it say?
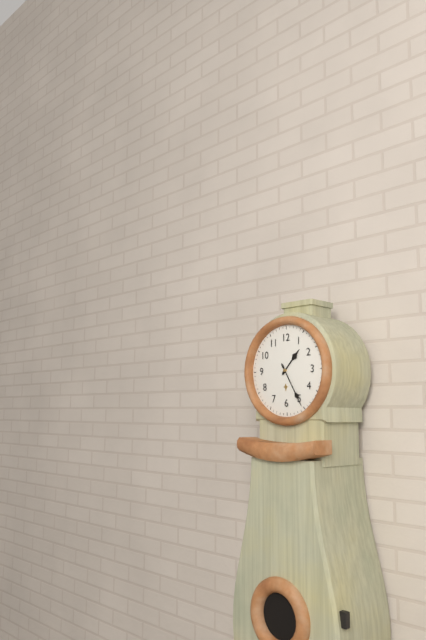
1:25
